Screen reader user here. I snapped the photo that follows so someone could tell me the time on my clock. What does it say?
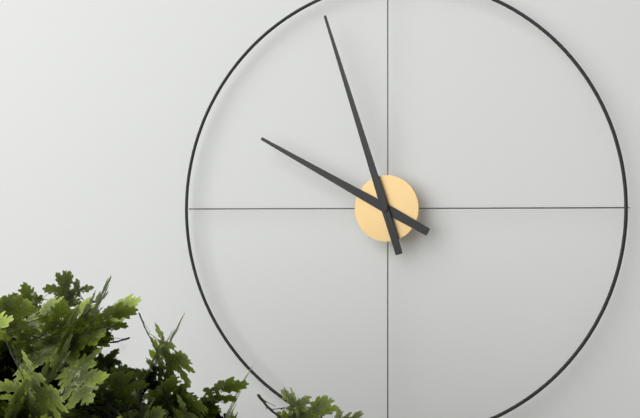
9:57
